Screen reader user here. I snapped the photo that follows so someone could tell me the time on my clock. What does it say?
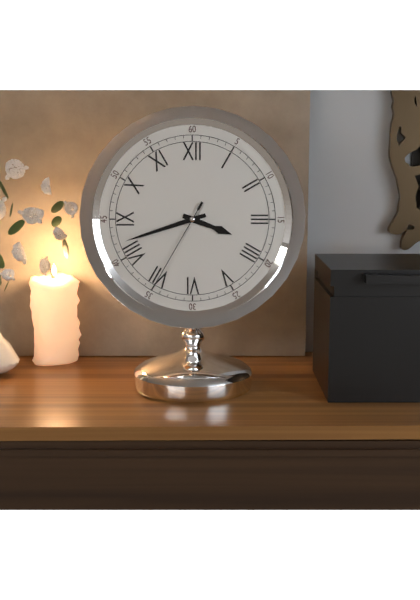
3:42:35
